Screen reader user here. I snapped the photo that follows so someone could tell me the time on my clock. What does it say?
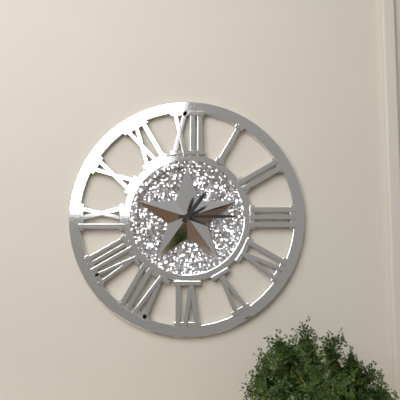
1:15
